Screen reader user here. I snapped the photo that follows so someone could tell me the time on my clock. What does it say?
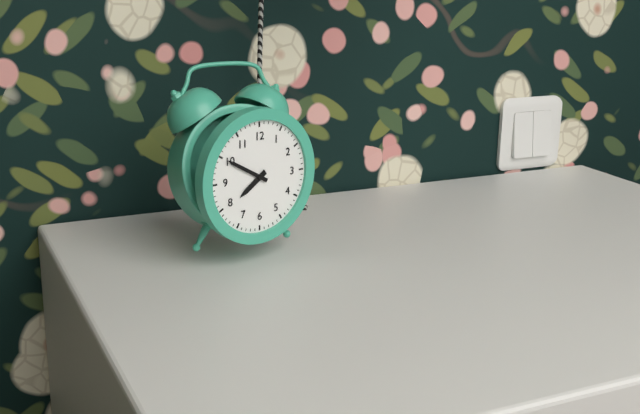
7:50
